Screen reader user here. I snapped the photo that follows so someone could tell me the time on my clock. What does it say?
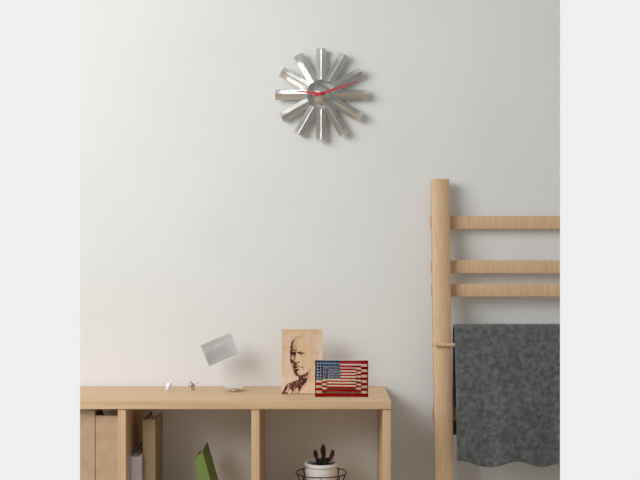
9:12
